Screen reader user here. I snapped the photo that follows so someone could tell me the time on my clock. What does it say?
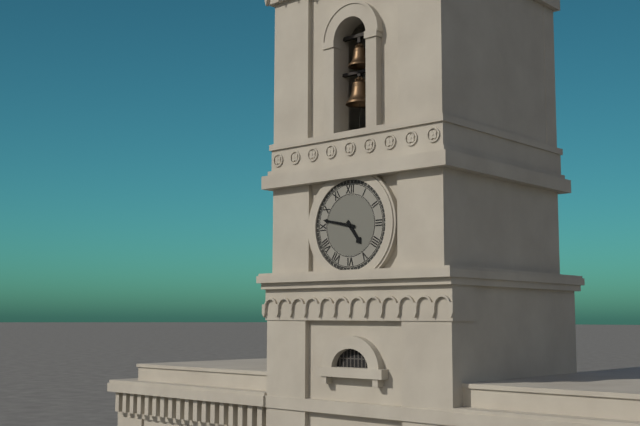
4:47
